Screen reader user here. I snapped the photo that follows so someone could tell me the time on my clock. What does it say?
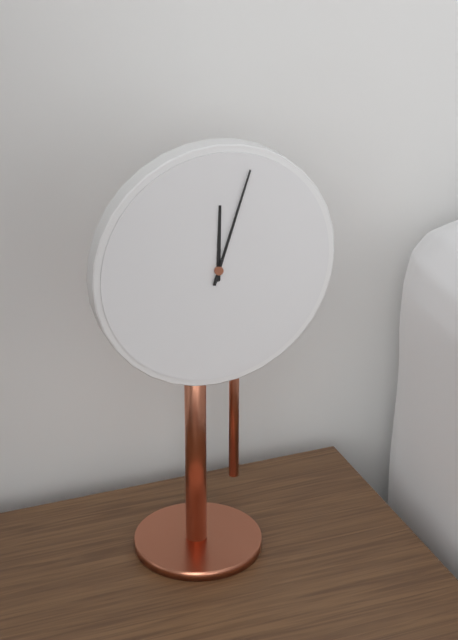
12:03
